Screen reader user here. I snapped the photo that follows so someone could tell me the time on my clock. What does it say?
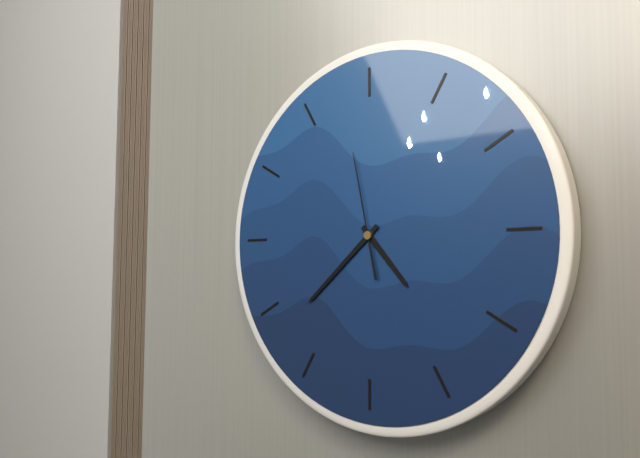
4:38:58
